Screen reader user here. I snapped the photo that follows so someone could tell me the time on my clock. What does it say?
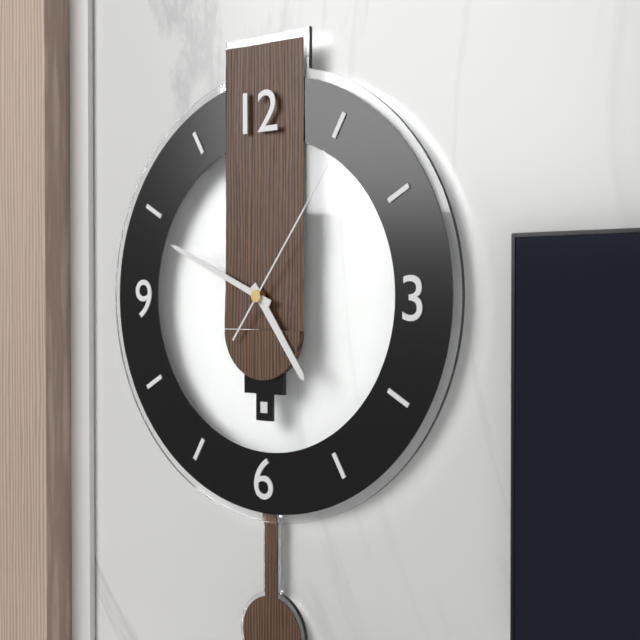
4:49:06
